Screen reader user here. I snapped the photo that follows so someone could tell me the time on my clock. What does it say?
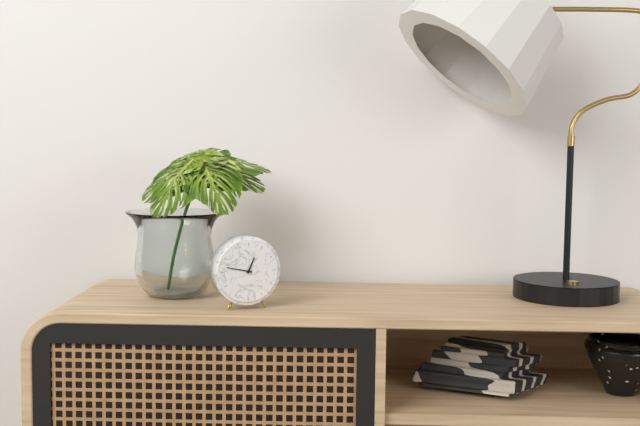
12:47
